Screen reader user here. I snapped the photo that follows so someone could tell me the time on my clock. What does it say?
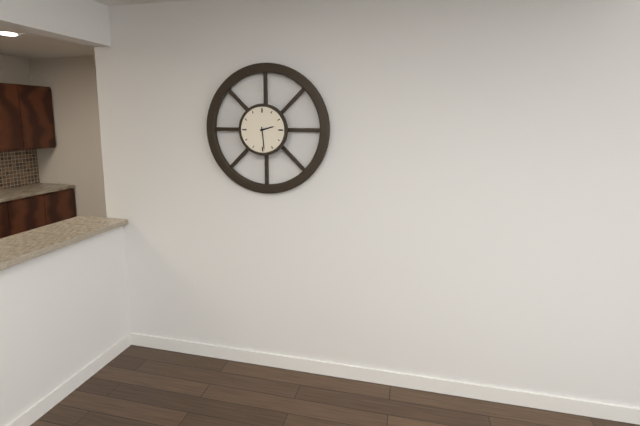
2:29
